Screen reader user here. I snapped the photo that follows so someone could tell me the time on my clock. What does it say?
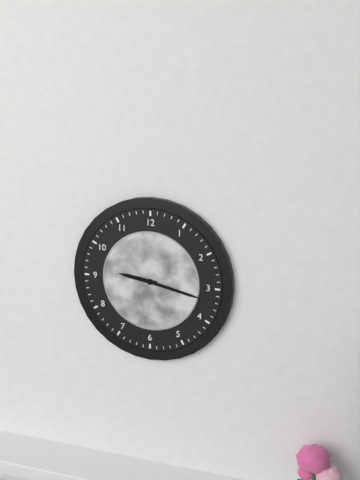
9:17
